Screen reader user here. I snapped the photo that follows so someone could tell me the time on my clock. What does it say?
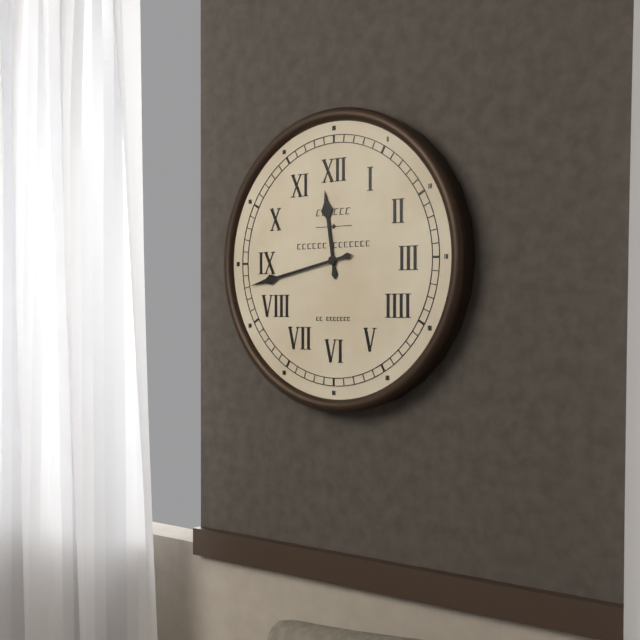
11:43
